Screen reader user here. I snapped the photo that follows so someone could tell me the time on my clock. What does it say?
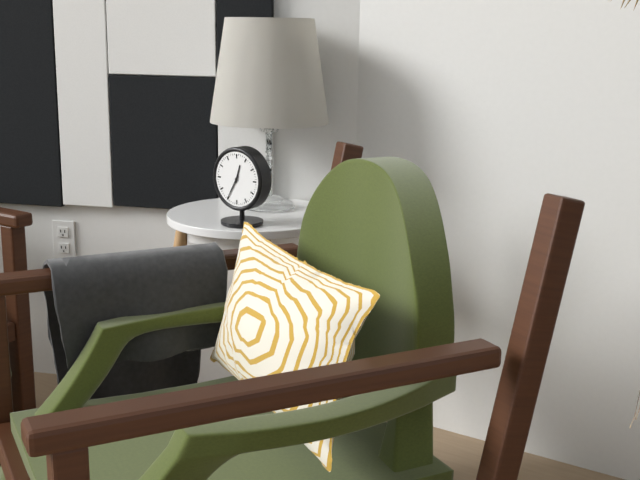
12:35
